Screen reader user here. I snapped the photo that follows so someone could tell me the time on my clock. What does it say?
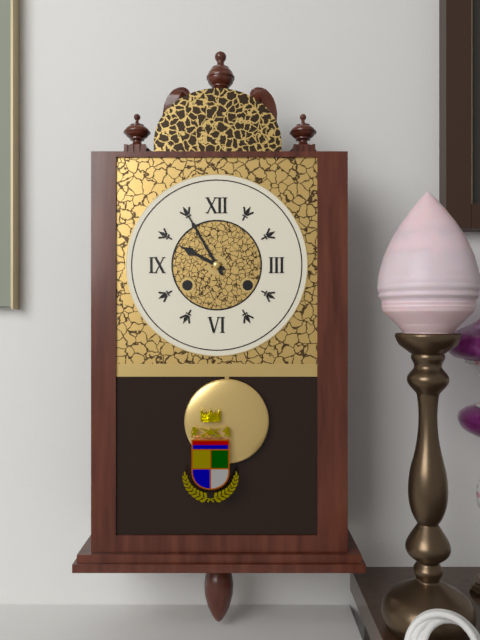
9:55
